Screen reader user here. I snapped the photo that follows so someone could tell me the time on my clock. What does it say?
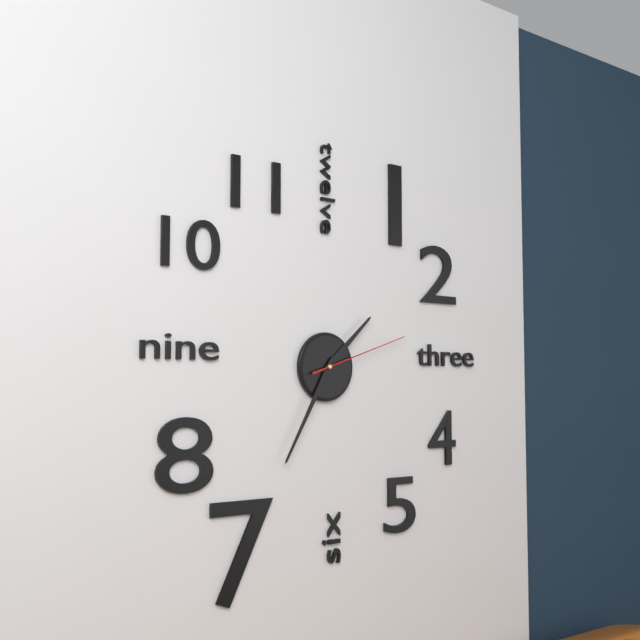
1:35:12
